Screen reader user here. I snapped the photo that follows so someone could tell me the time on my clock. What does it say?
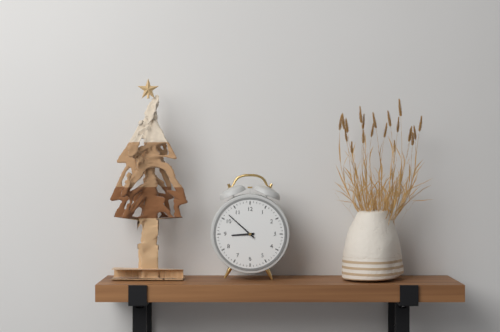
8:52
